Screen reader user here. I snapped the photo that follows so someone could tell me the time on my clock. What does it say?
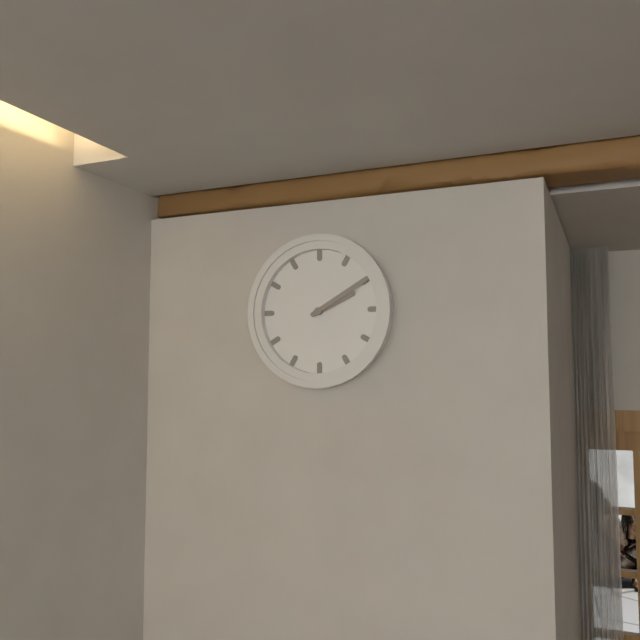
2:10
